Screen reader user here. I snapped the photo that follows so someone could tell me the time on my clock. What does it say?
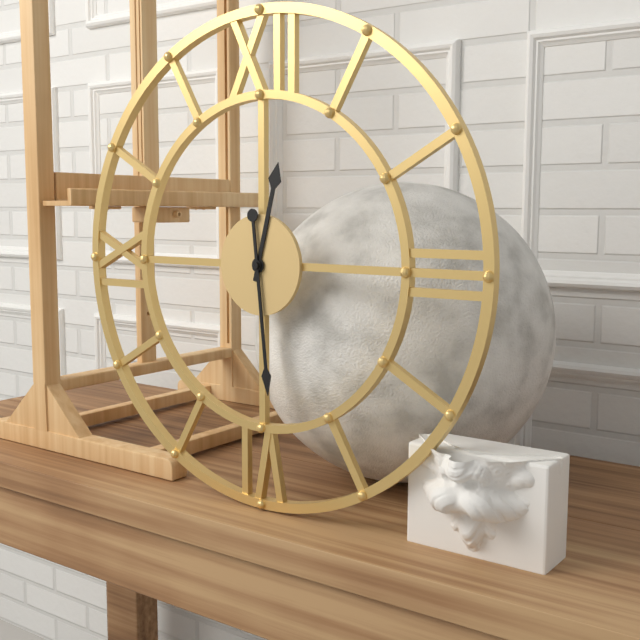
12:29
